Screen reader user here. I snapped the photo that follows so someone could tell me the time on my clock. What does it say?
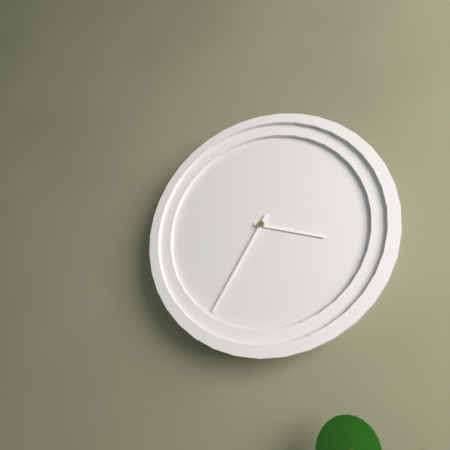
3:35
